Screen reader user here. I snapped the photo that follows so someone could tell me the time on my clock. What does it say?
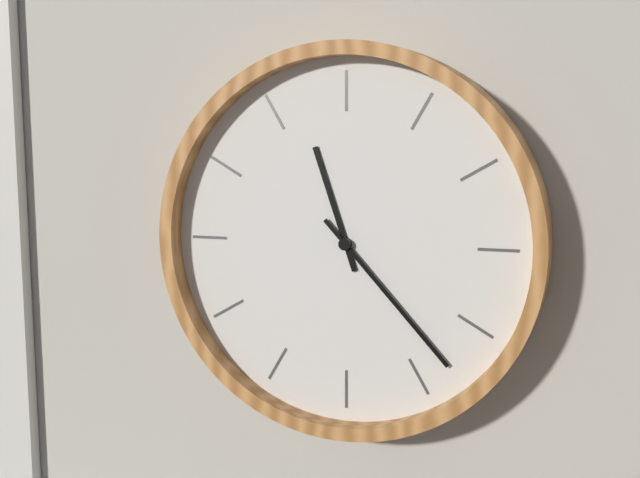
11:23
